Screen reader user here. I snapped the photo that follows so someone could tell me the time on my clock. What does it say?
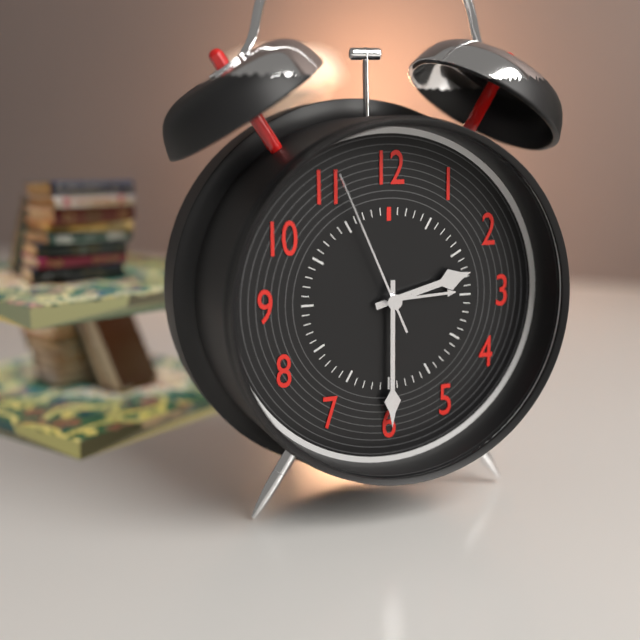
2:30:56
